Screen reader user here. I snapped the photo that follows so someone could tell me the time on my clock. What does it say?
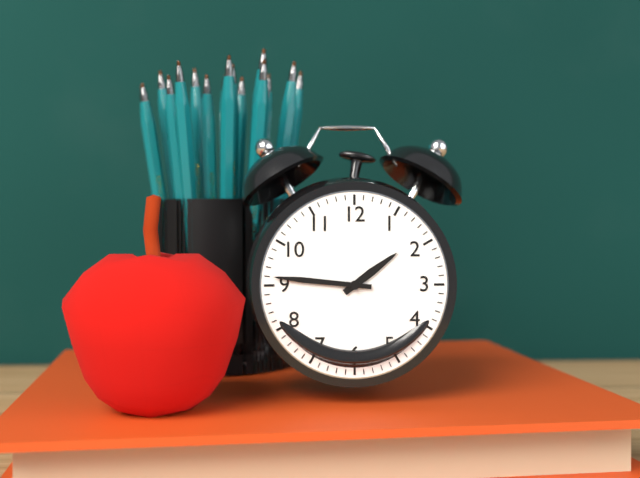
1:46
